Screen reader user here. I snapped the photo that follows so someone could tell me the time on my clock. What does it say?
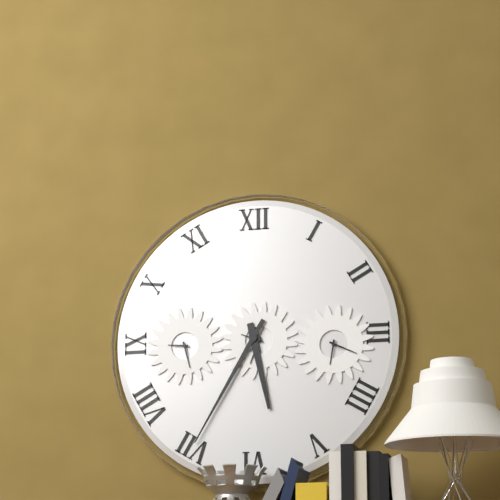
5:35
